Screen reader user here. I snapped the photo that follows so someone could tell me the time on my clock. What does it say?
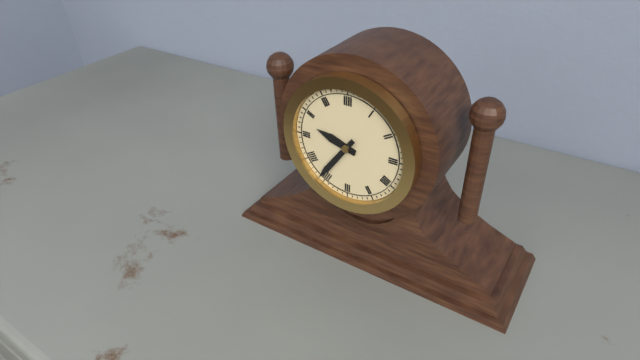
9:36
